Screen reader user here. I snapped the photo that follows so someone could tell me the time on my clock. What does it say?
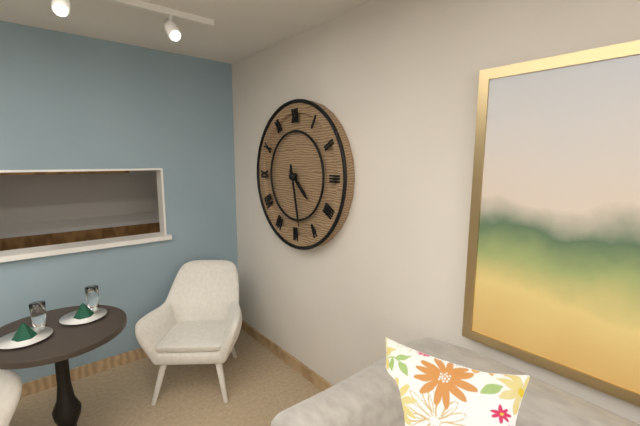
4:28
